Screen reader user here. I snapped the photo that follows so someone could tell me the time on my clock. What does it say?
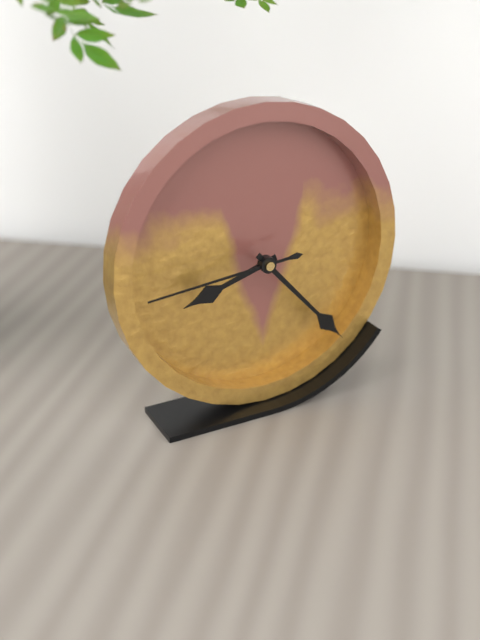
8:23:44
